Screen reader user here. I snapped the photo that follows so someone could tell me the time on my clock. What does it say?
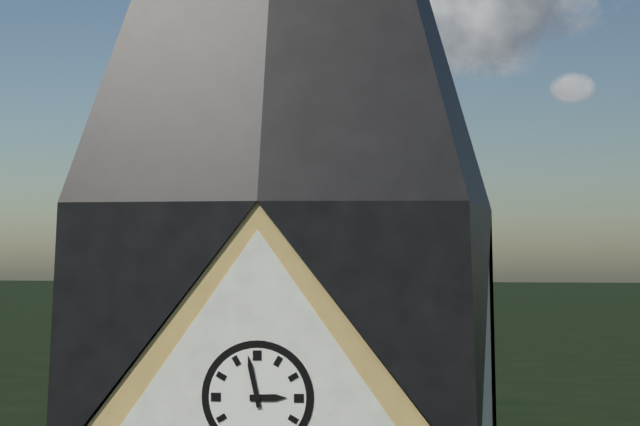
2:58
